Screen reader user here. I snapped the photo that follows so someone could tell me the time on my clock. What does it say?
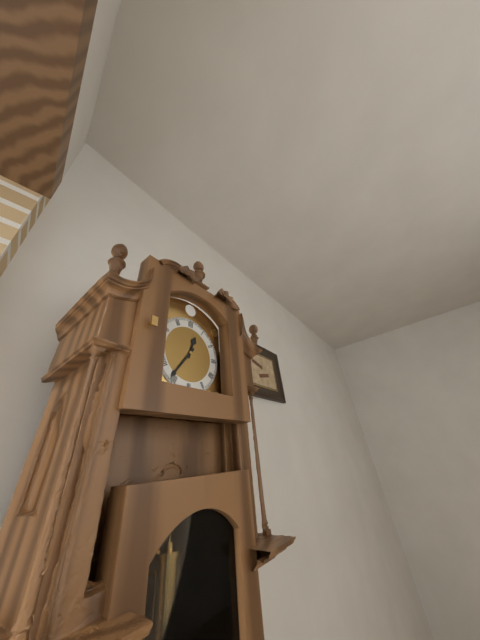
12:36
